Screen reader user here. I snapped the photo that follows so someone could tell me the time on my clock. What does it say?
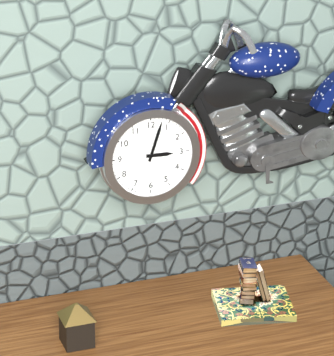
3:03
